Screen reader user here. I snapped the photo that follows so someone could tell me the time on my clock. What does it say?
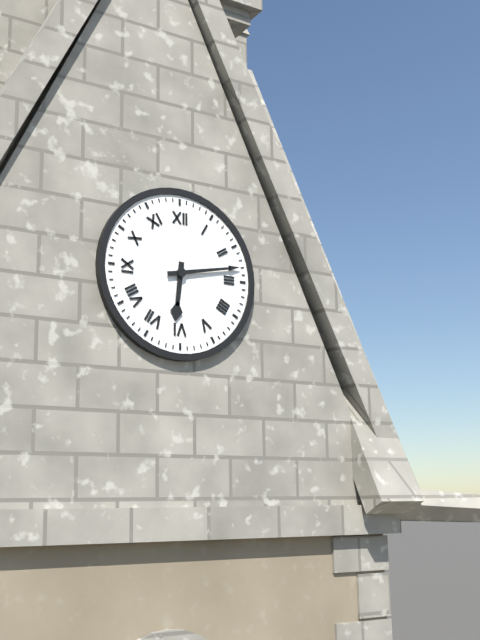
6:13
